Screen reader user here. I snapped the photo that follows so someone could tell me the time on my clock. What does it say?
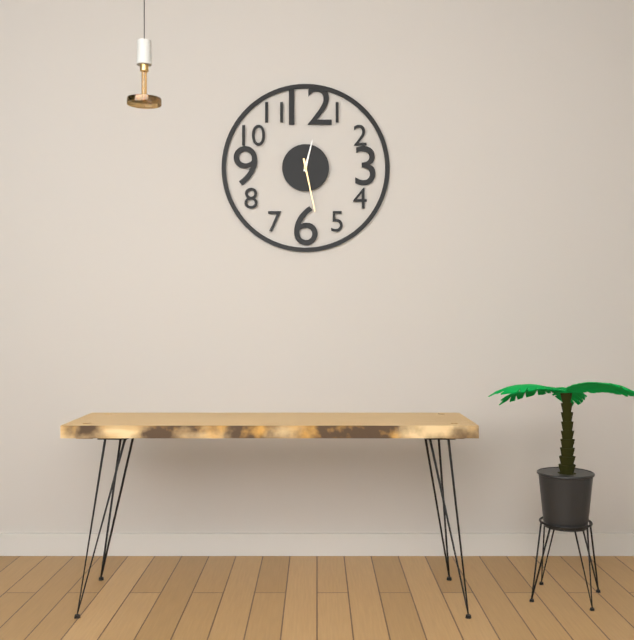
12:28
